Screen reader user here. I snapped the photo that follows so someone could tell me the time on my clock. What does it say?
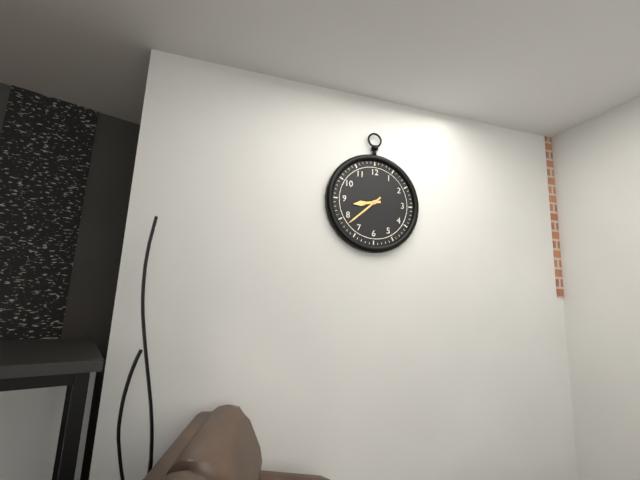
8:38
